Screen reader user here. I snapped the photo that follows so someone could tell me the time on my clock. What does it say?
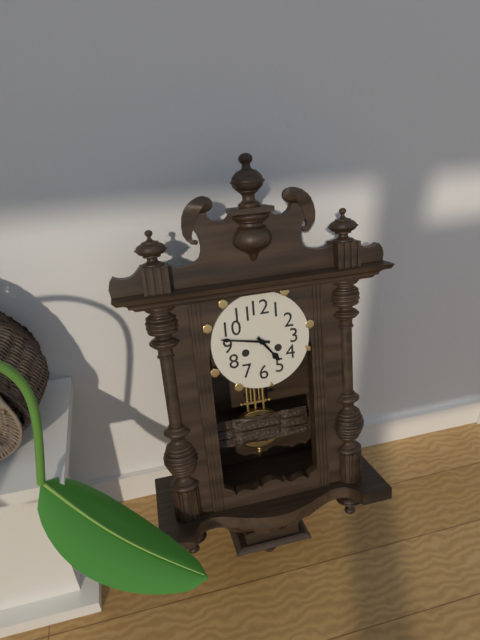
4:47
